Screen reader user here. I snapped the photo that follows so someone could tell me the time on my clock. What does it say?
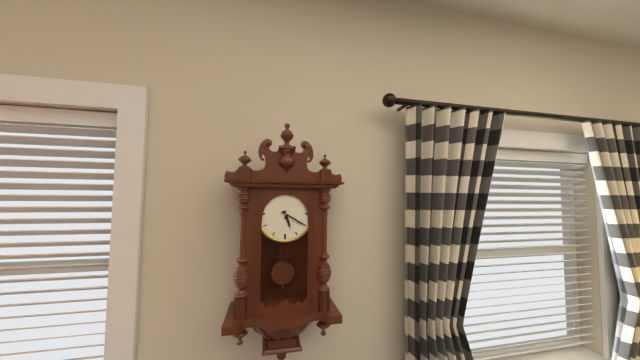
5:20
